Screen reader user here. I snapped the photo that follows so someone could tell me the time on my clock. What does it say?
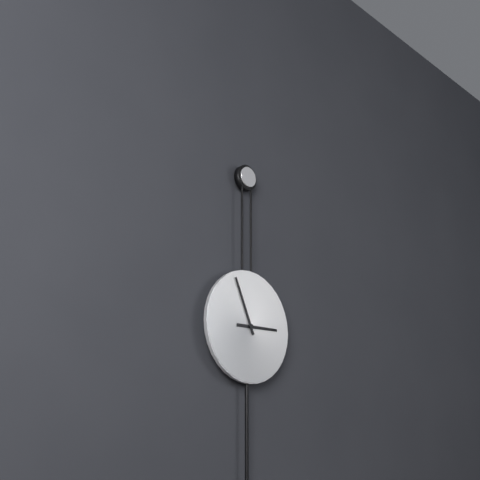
2:56
